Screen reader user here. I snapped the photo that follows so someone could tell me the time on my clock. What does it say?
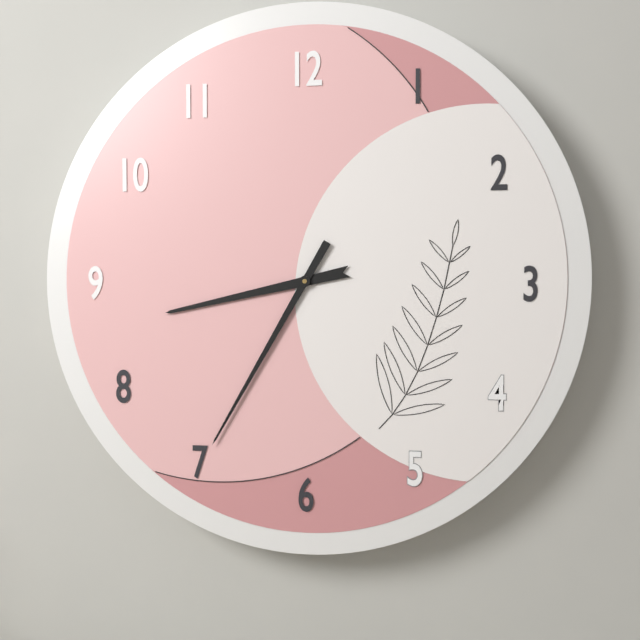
8:35
